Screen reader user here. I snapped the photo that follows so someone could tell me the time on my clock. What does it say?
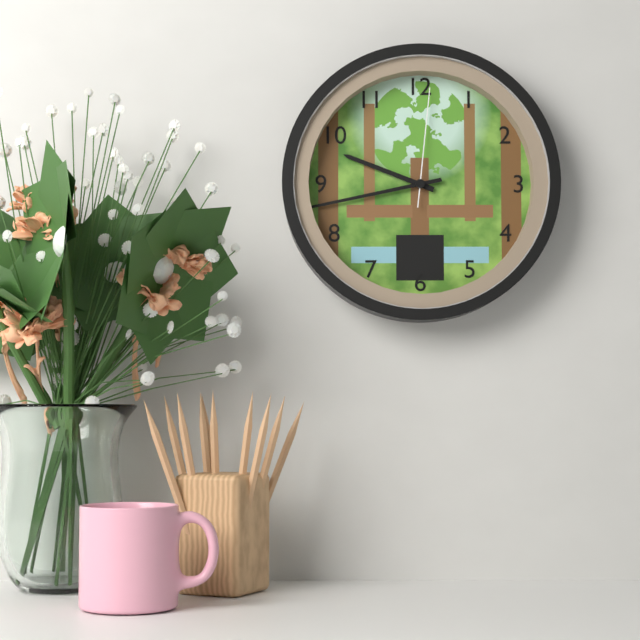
9:43:01
